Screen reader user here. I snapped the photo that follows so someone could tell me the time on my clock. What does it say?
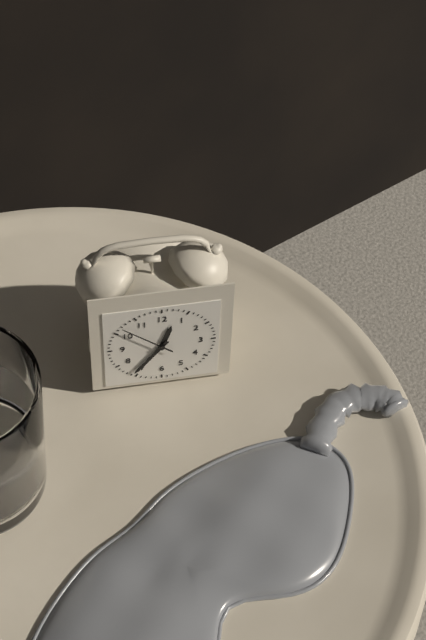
12:36:52
